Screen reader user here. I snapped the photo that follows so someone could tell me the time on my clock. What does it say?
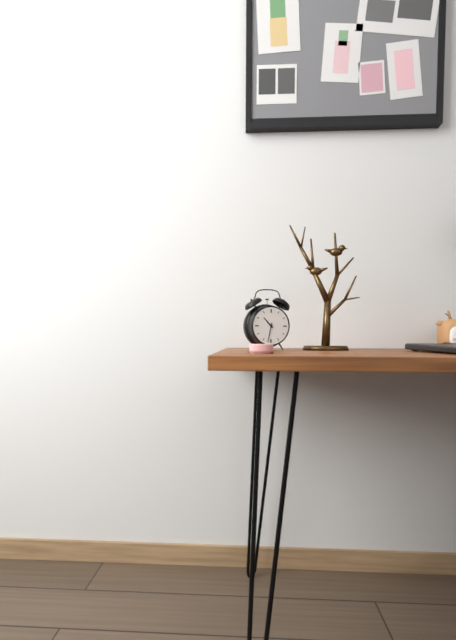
10:32
